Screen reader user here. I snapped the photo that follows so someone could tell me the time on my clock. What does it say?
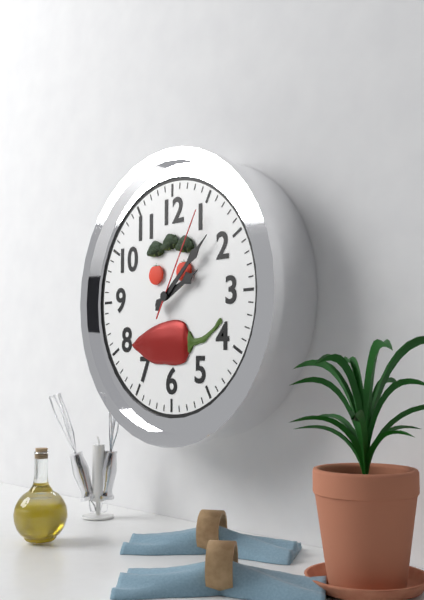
2:08:05
